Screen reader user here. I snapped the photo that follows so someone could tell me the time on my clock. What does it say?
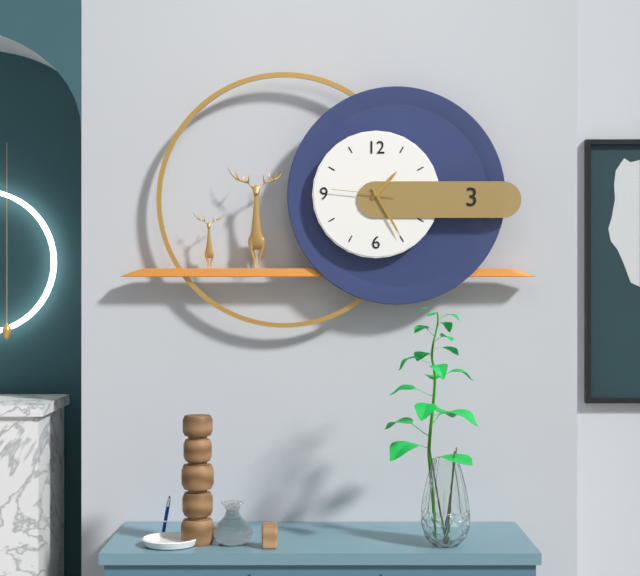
1:25:46
